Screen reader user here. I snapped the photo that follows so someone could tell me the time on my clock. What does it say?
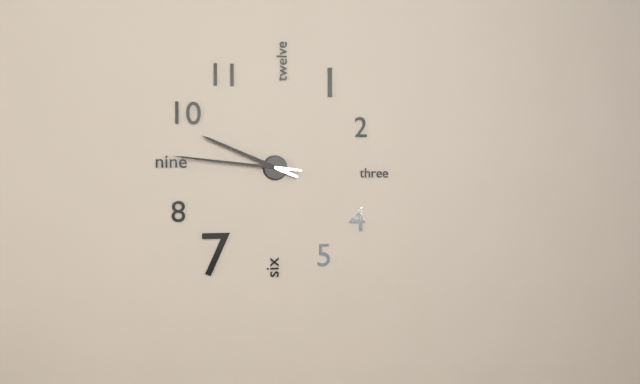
9:46
